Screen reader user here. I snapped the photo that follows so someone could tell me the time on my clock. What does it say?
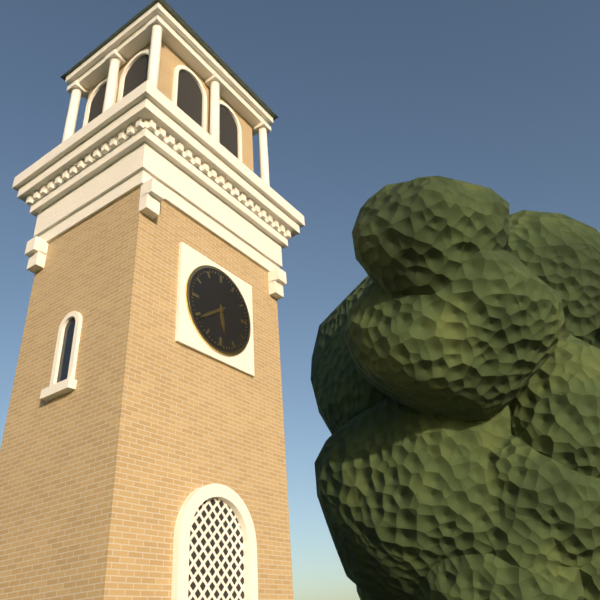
5:39
